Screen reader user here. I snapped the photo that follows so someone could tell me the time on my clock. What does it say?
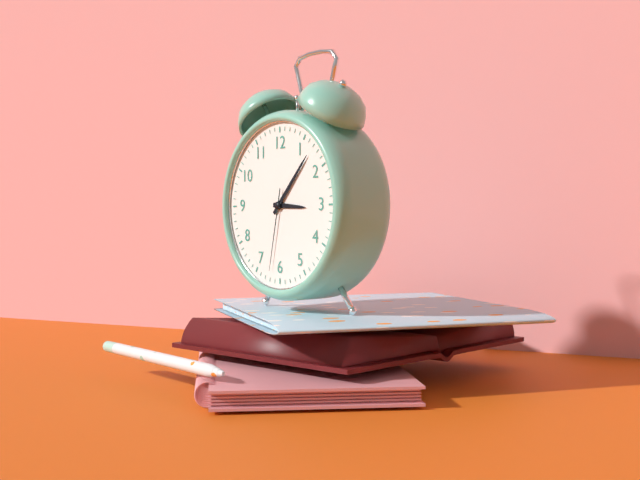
3:07:32
